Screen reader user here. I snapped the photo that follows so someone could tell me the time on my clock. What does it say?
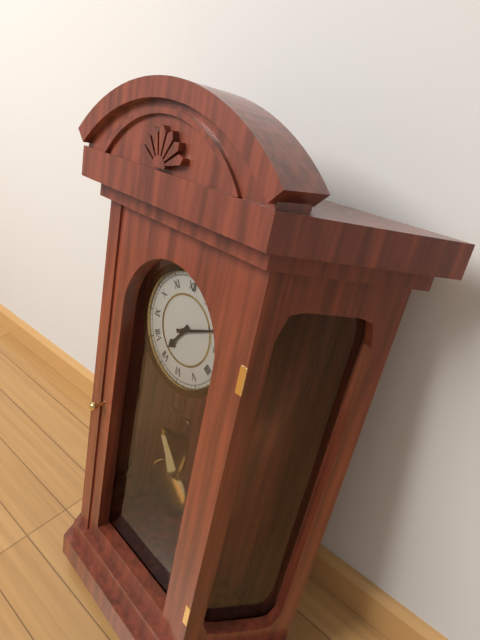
7:11
